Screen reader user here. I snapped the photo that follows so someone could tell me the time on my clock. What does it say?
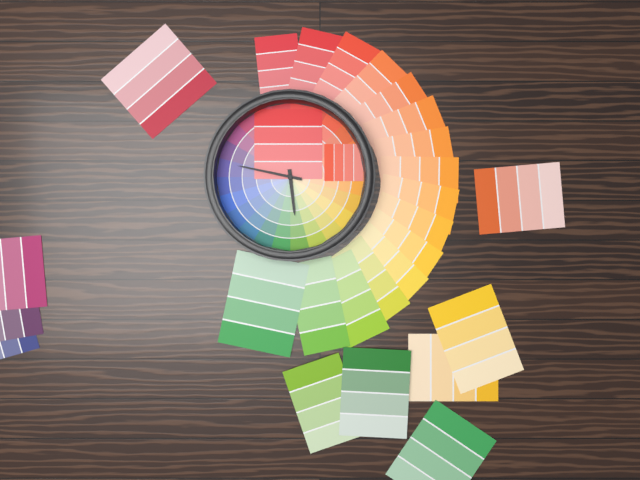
5:47
